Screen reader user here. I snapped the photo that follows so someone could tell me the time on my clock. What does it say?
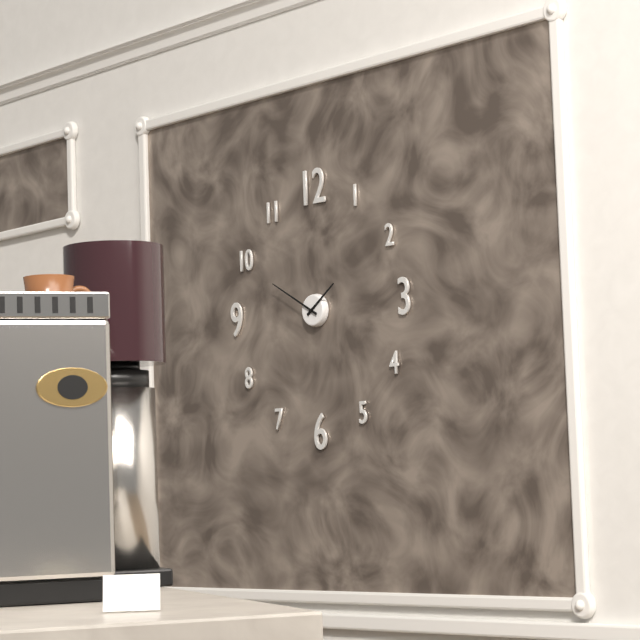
1:50
